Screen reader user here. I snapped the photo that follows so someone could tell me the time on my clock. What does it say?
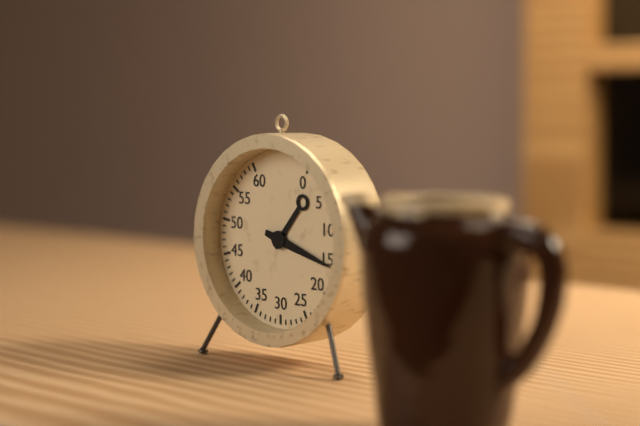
1:18
